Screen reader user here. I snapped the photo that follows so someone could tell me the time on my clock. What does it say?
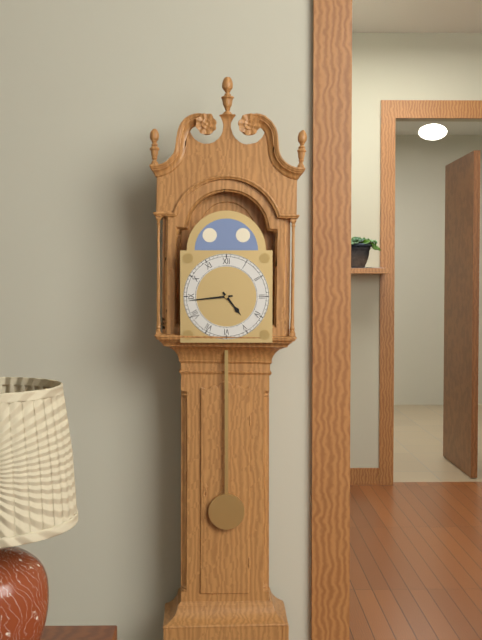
4:44
